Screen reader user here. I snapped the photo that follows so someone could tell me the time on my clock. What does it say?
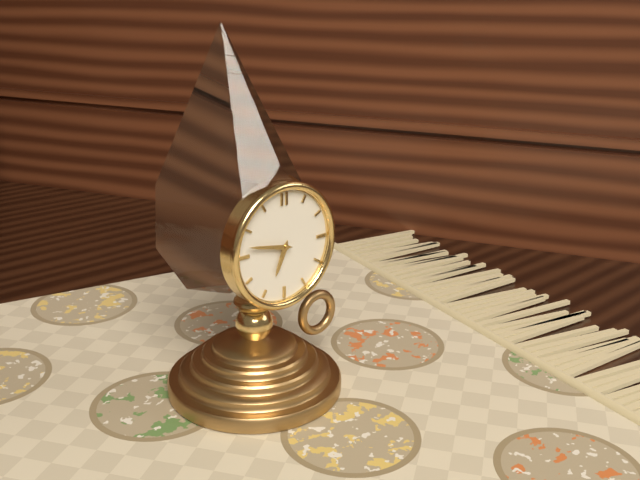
6:47
